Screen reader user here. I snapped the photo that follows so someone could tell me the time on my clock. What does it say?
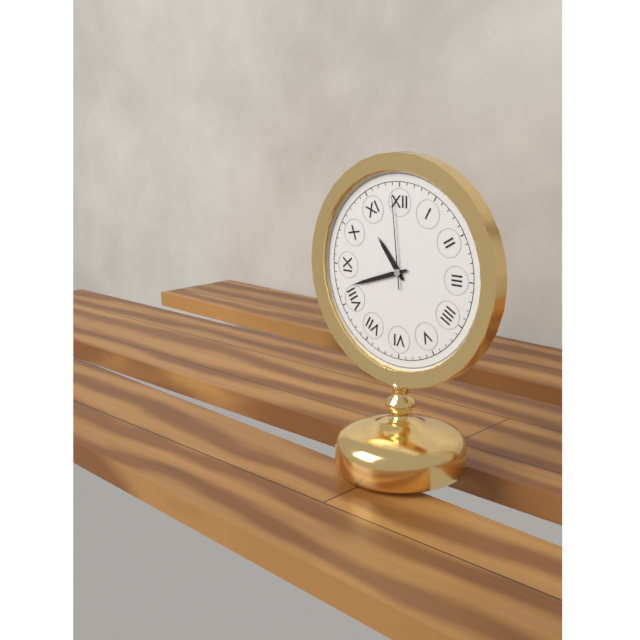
10:42:59
